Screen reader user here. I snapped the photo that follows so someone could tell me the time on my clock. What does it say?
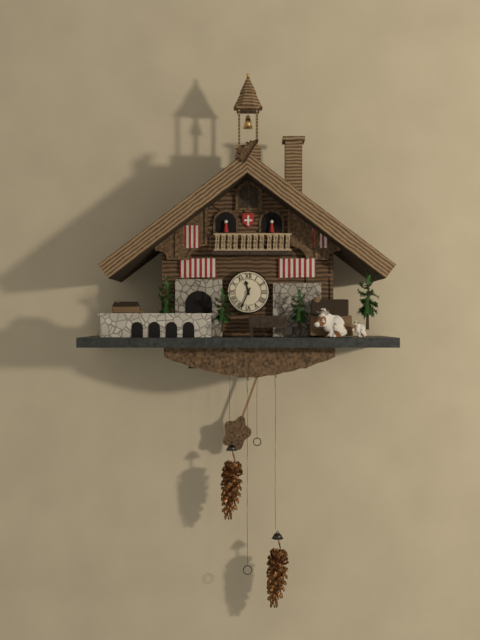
11:34
